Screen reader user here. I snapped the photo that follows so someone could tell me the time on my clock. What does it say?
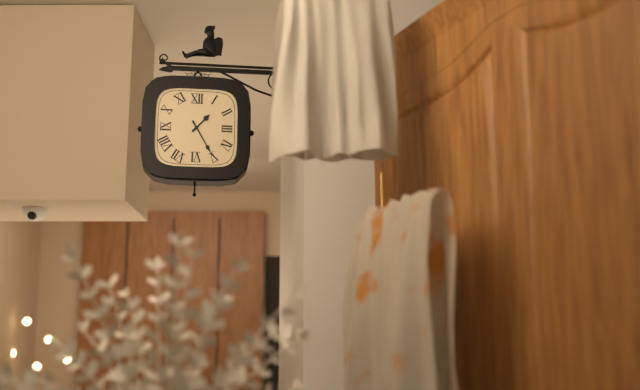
1:25
